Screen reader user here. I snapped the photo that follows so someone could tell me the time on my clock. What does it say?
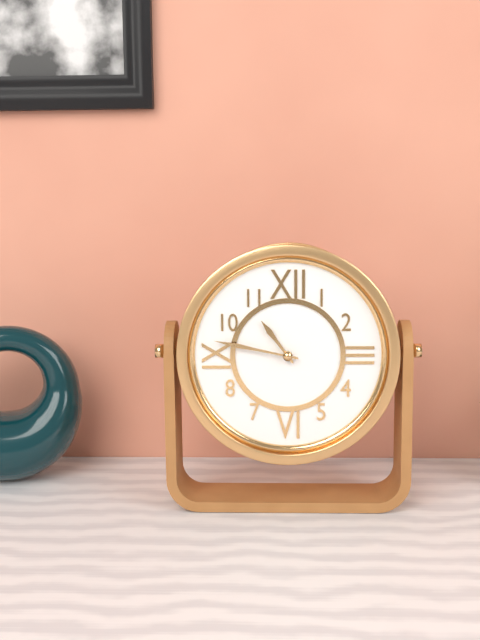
10:47
